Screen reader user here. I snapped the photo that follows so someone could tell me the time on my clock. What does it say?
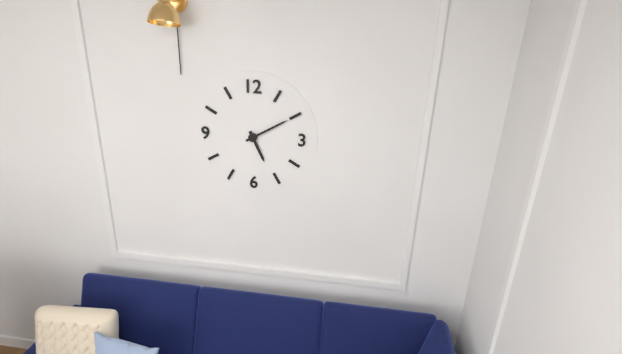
5:10
